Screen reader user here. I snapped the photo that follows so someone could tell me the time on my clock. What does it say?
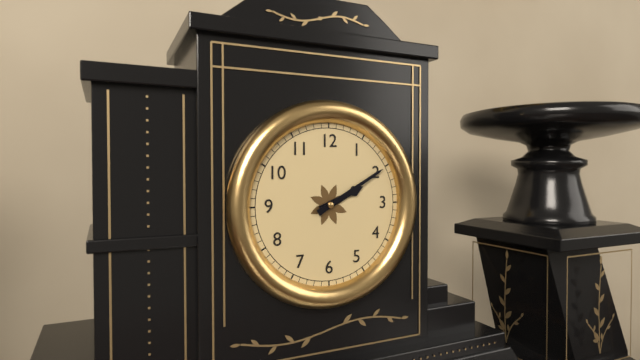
2:10
